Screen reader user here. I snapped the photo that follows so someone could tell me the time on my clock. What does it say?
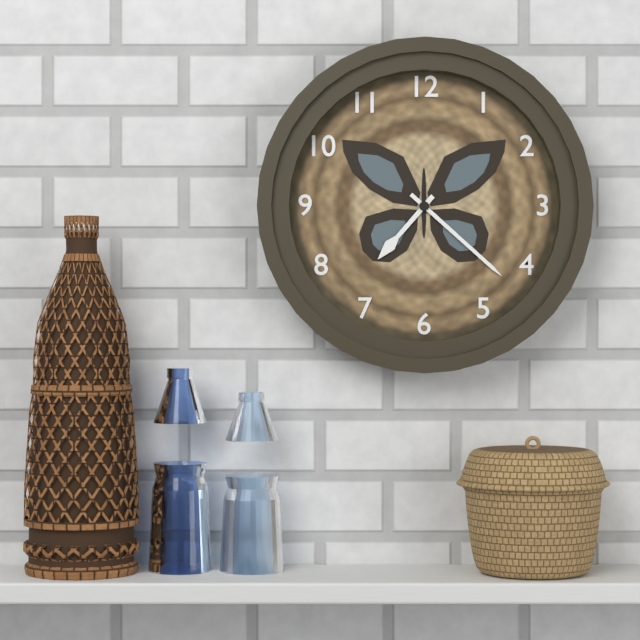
7:22
